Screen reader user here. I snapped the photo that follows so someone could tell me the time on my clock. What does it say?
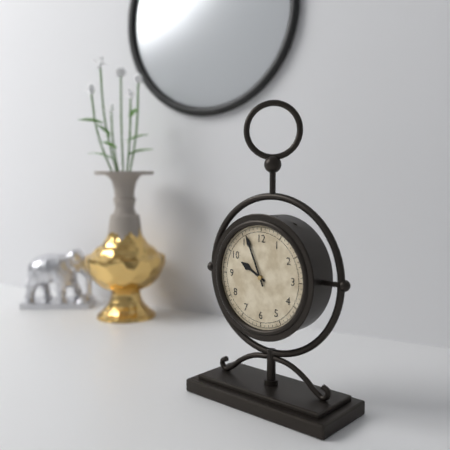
9:56
